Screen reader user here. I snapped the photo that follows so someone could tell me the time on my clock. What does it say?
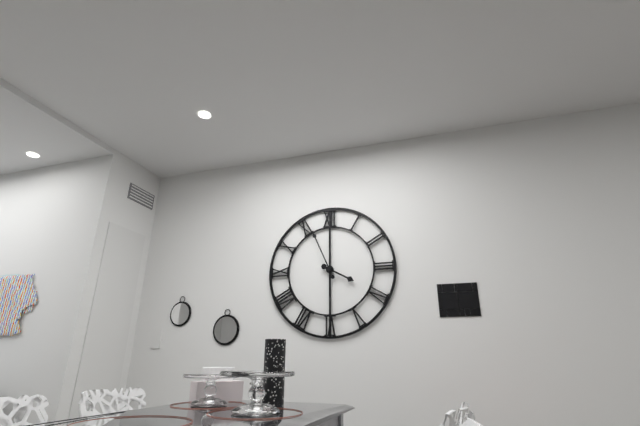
3:56
